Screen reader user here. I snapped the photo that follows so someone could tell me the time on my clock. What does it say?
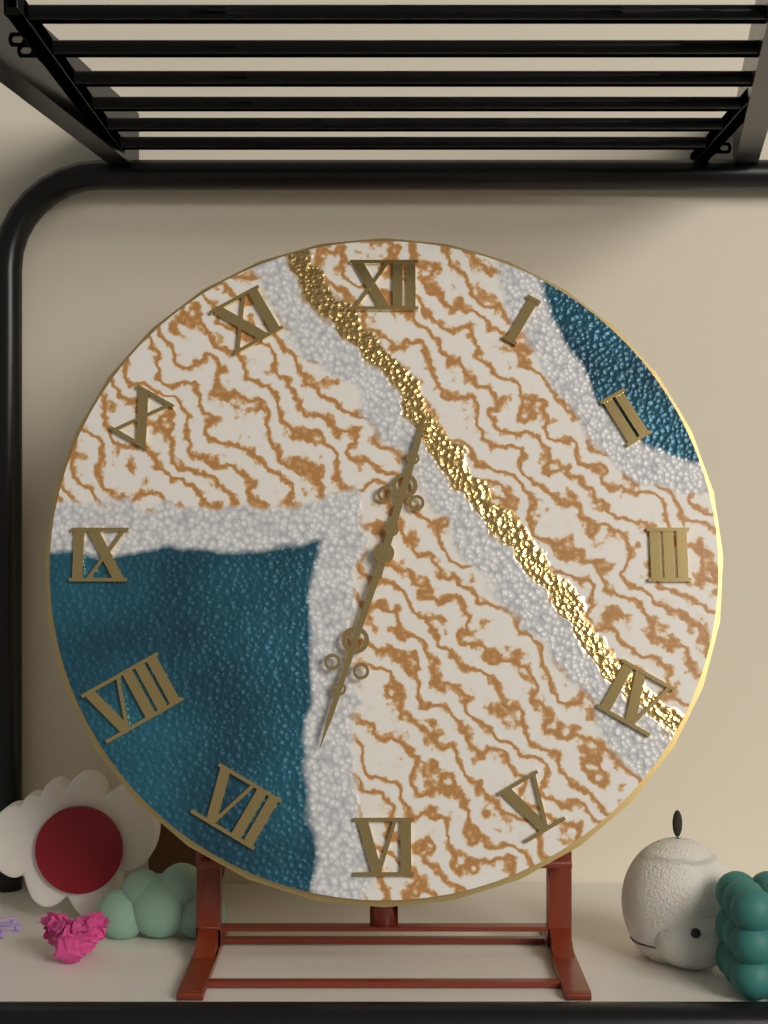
12:33
